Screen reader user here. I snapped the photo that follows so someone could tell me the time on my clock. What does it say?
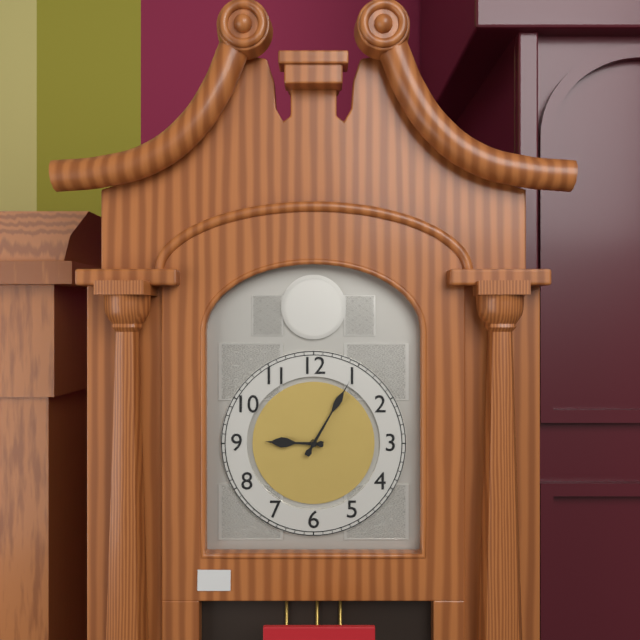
9:05
